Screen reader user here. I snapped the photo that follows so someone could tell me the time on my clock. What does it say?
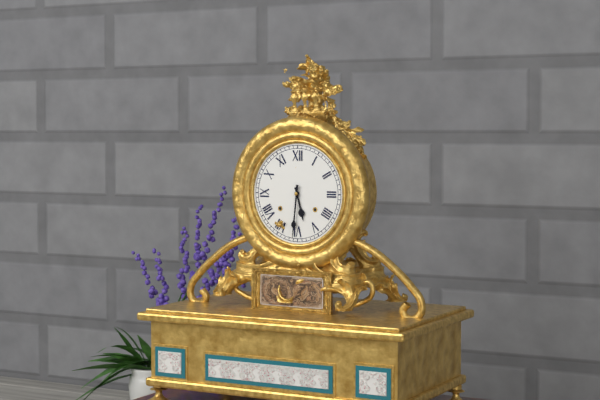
5:31
